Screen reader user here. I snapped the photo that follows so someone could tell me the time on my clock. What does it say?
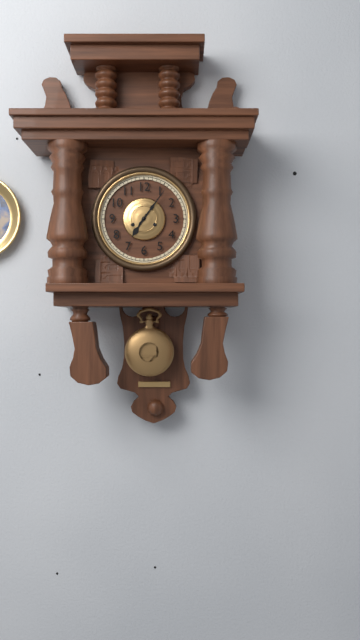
7:06
